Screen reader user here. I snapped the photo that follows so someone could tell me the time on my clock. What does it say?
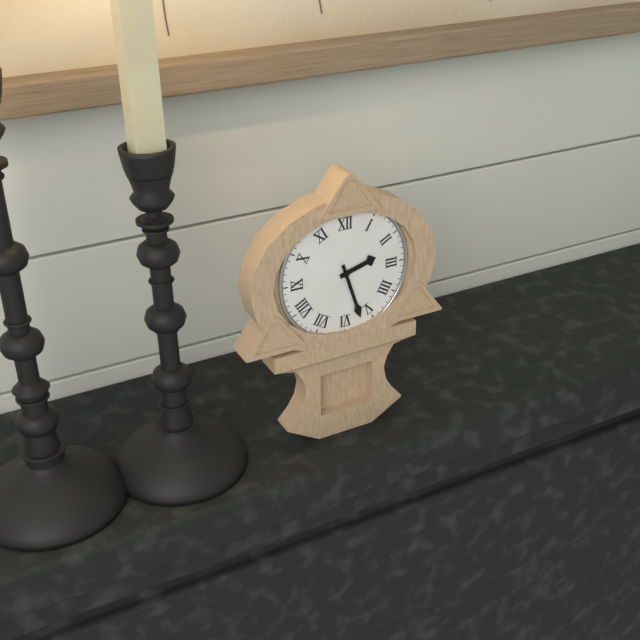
2:27
